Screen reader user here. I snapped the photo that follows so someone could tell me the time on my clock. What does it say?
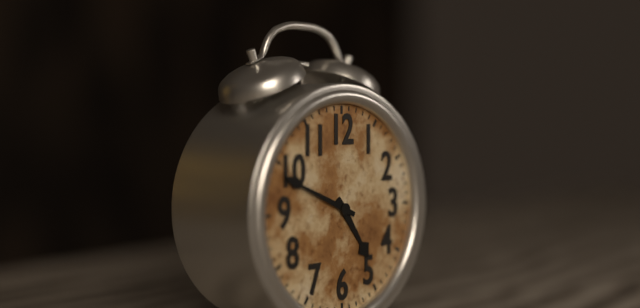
4:49
